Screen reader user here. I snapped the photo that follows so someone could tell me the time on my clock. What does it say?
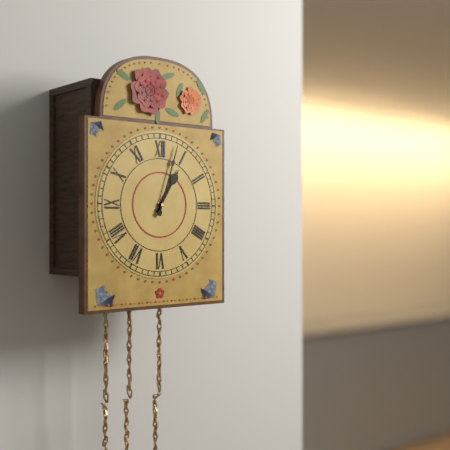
1:03
